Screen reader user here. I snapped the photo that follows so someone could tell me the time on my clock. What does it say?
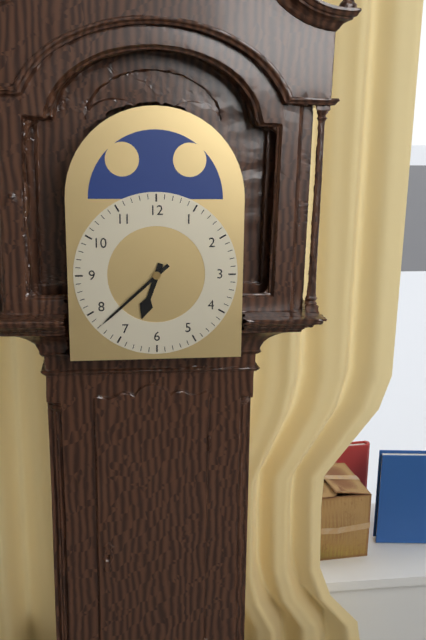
6:38
